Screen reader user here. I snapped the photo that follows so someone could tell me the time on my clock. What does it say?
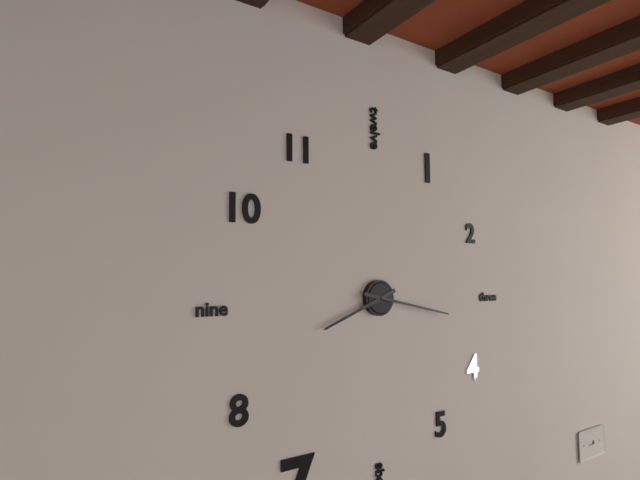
8:17
